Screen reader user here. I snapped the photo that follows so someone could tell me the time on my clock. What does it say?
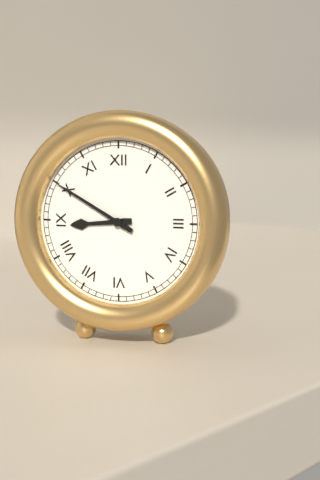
8:50
